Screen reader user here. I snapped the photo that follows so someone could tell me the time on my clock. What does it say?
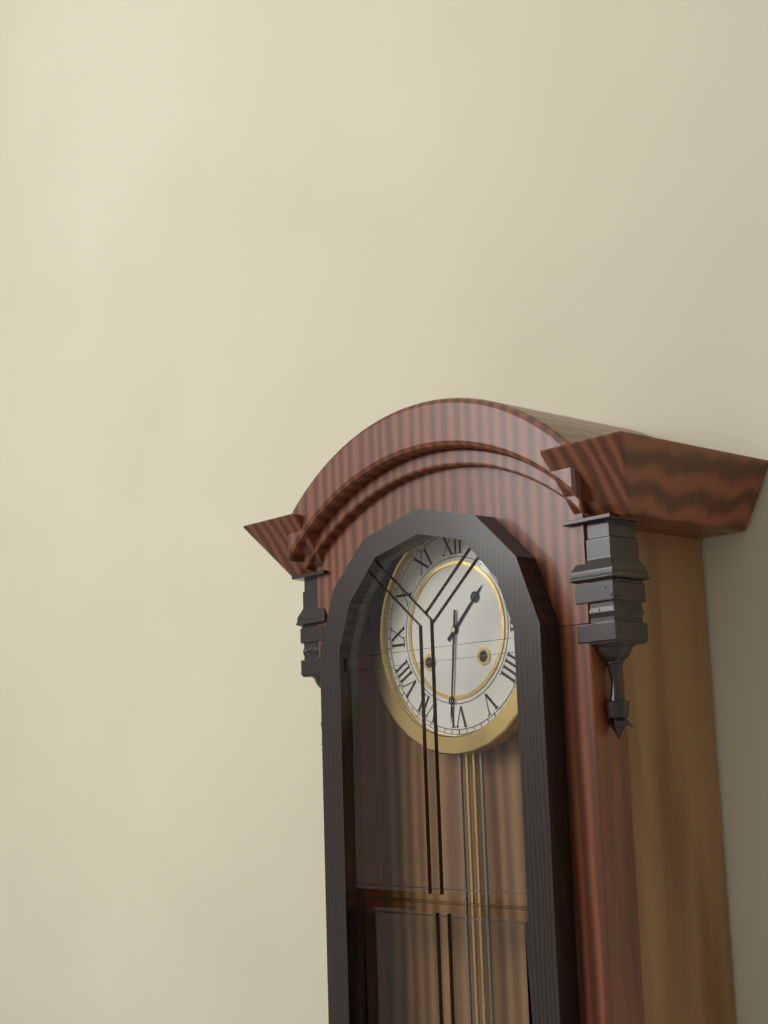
1:31
